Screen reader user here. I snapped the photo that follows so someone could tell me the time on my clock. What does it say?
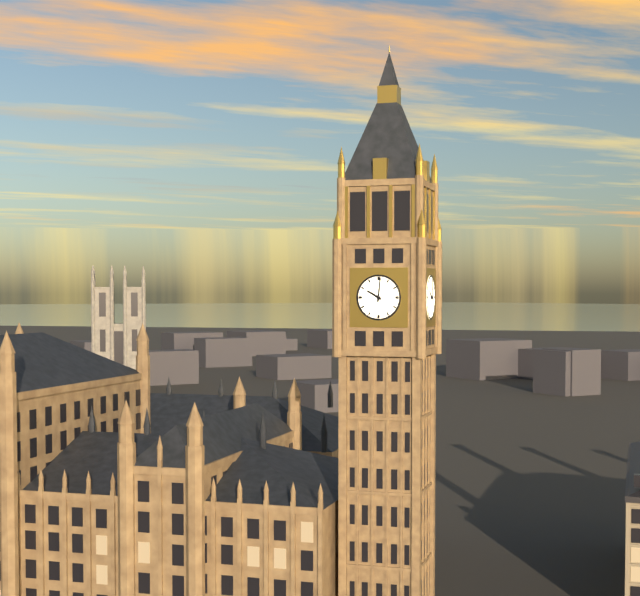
10:01
